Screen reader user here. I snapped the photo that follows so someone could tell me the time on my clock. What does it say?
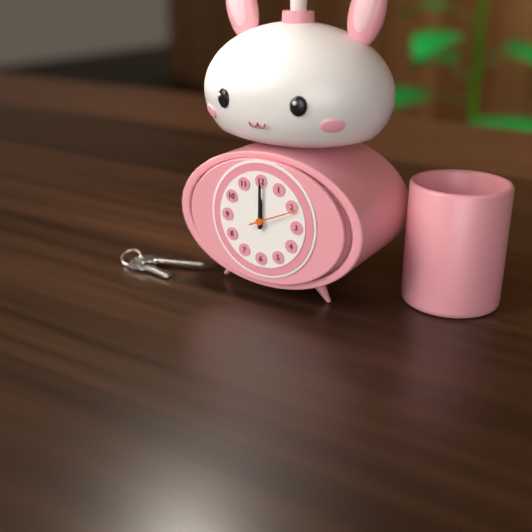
12:00
